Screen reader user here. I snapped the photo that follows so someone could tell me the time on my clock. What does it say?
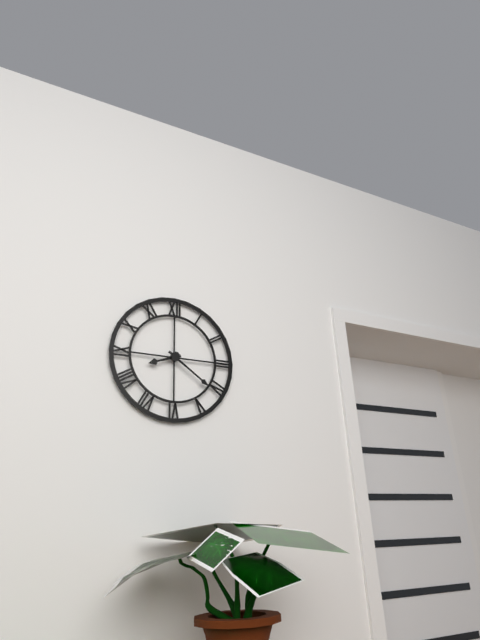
8:21
